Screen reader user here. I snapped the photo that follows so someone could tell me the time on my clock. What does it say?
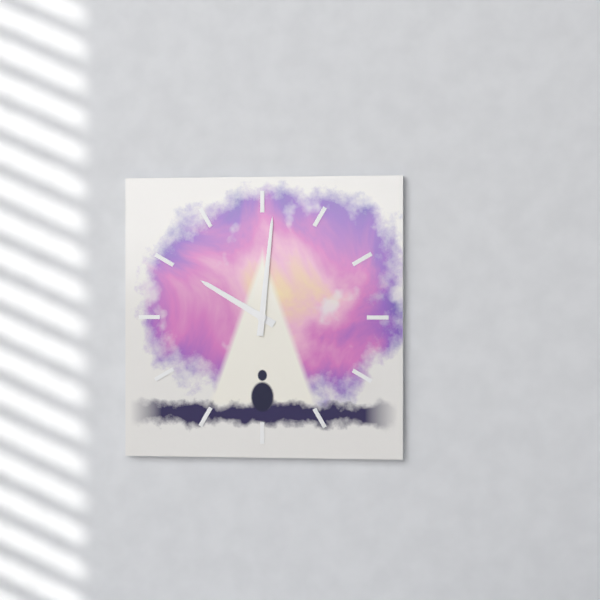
10:01
